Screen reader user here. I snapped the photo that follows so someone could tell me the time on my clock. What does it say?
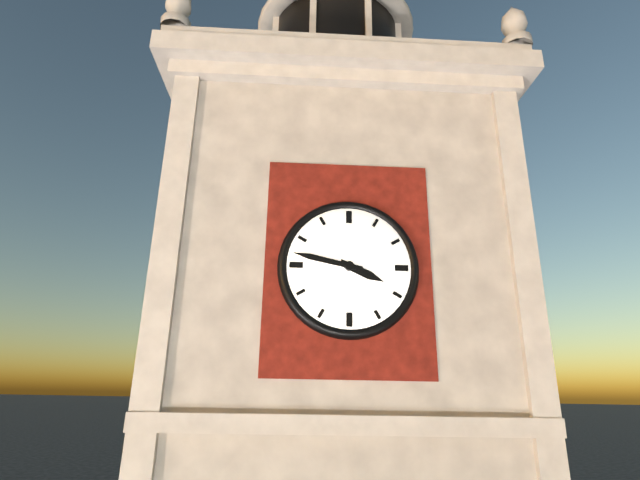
3:47
